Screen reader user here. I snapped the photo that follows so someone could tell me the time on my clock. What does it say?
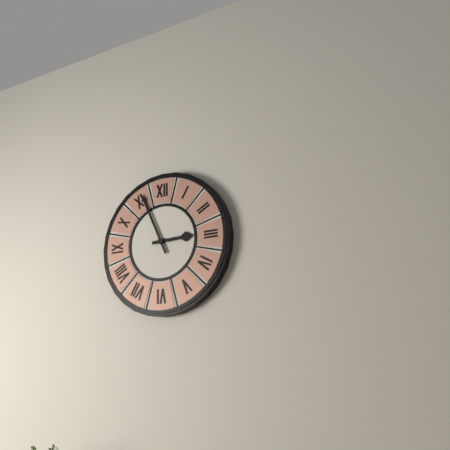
2:56
